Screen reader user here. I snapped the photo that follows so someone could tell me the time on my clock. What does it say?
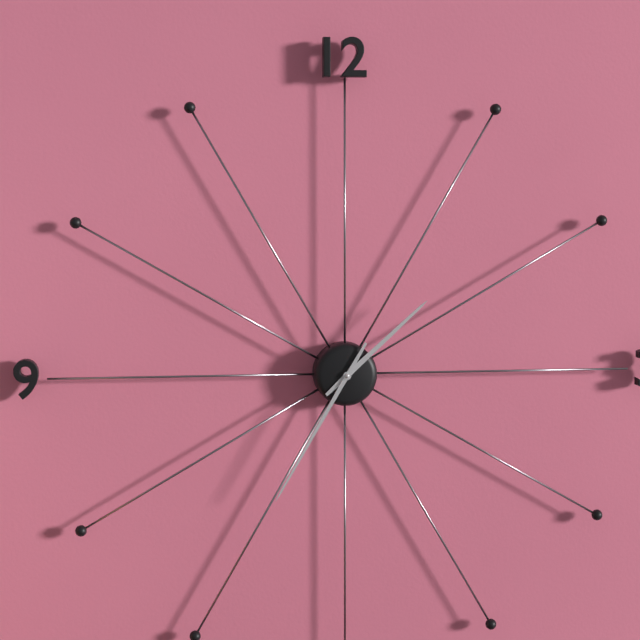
1:35
